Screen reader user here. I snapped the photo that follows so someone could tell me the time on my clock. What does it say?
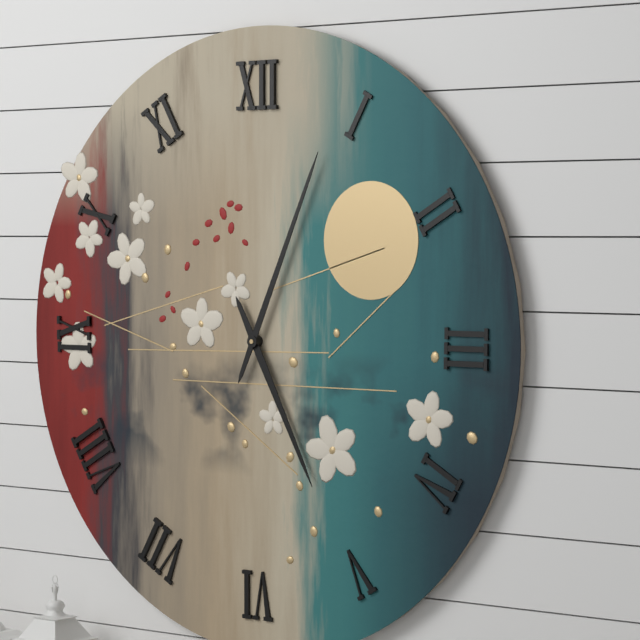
5:04
